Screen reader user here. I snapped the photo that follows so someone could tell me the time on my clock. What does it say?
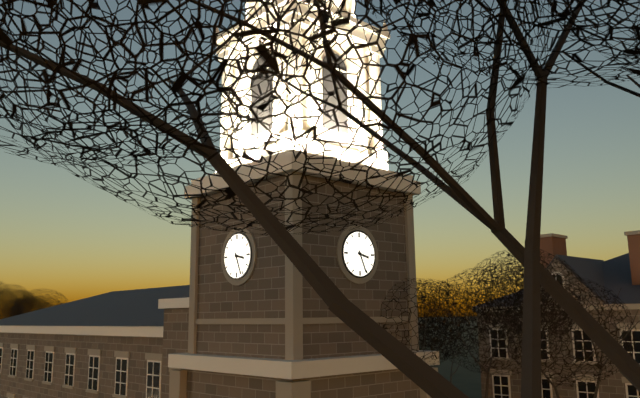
3:26
